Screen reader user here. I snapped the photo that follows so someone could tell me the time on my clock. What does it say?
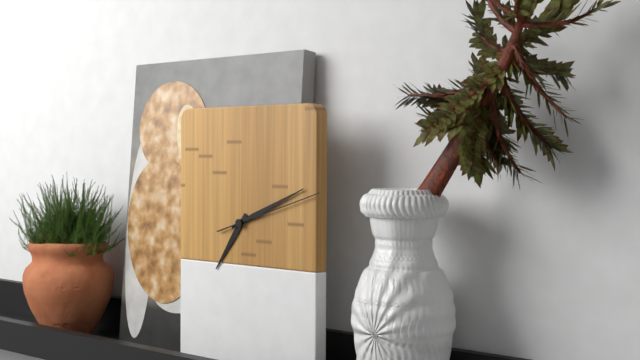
7:11:12
